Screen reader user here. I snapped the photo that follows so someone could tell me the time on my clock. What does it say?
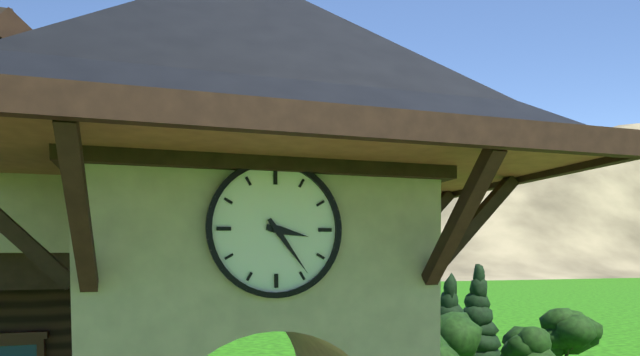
3:24
